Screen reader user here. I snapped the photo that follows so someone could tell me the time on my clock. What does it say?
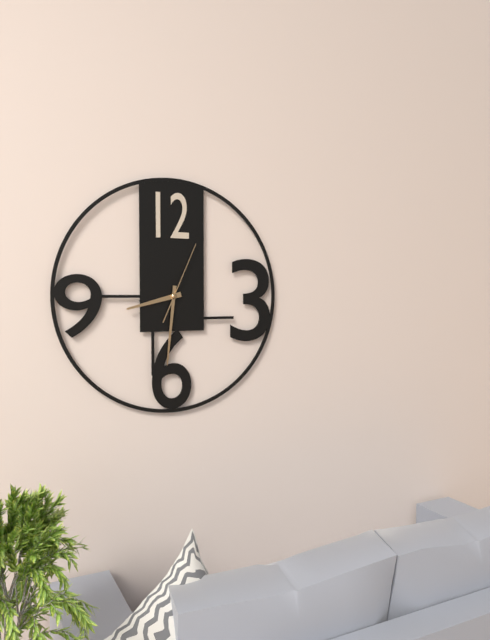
8:31:04
